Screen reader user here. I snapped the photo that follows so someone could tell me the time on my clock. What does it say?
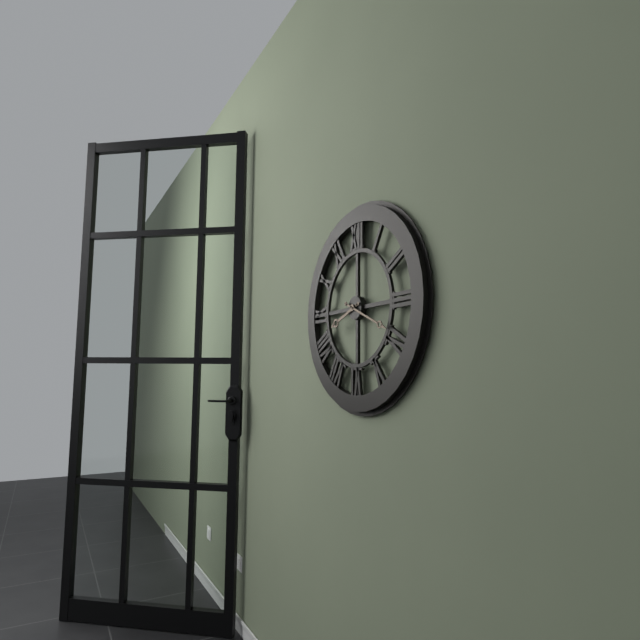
8:19
